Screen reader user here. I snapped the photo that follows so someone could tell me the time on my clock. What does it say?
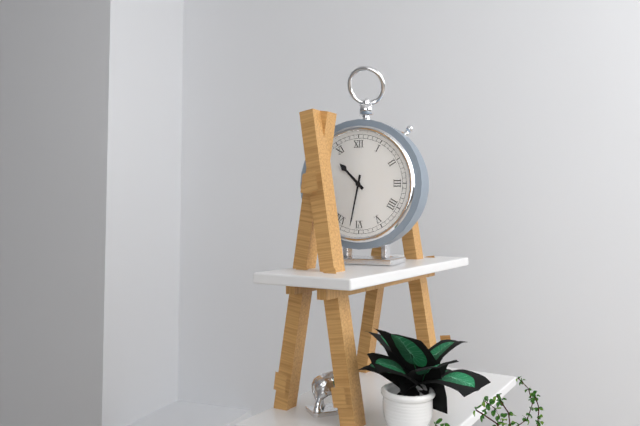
10:32
